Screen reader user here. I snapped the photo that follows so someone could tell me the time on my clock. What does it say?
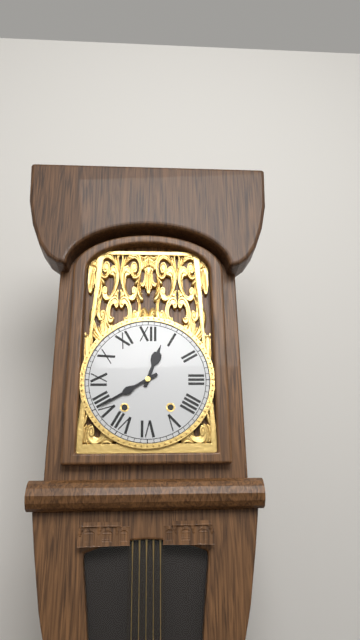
12:40
